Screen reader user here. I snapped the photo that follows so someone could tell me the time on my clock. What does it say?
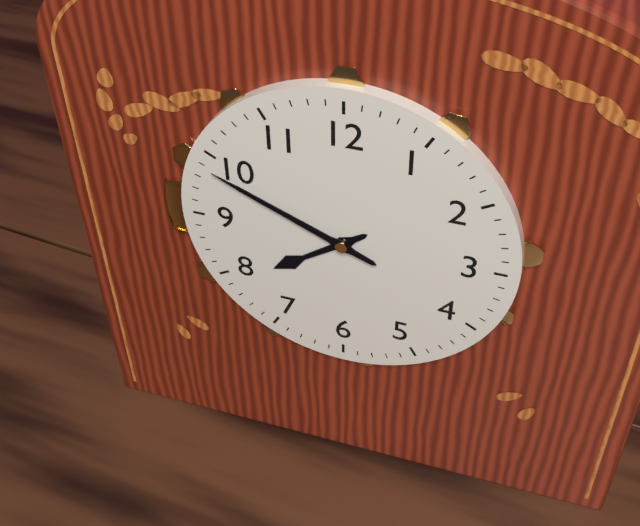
7:49
